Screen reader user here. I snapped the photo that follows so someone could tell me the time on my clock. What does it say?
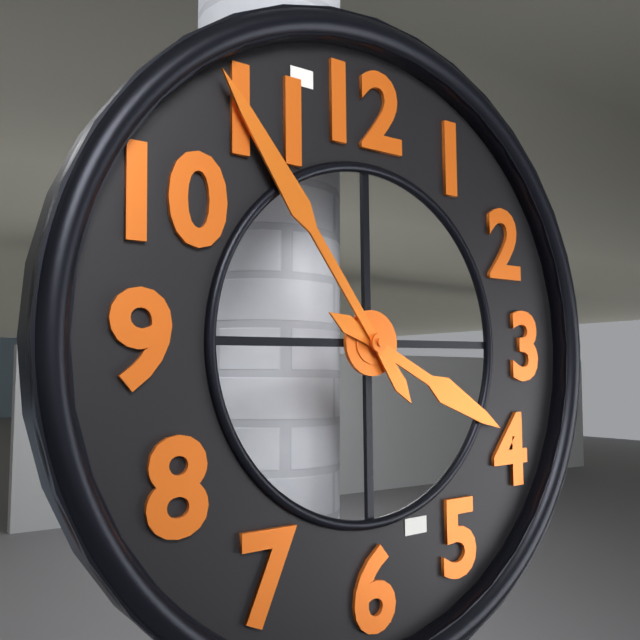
3:54
